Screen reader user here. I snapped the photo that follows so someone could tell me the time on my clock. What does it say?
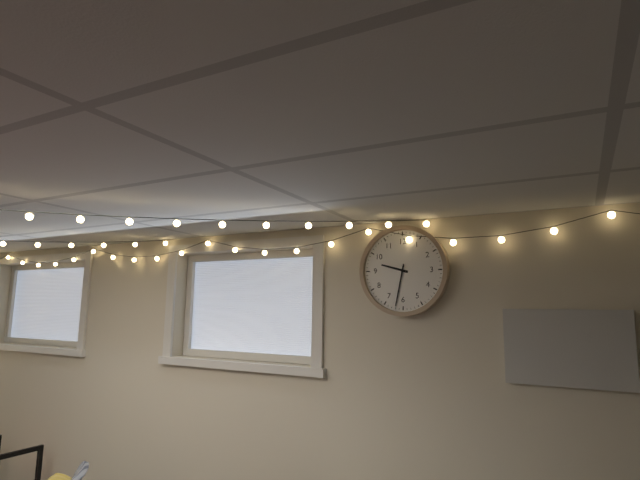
9:32
